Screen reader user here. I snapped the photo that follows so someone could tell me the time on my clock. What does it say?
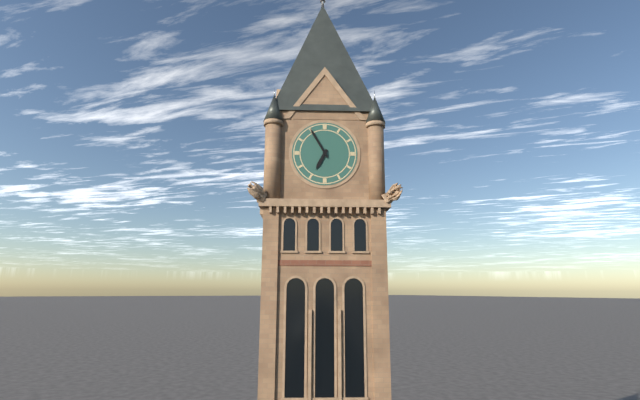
6:55
